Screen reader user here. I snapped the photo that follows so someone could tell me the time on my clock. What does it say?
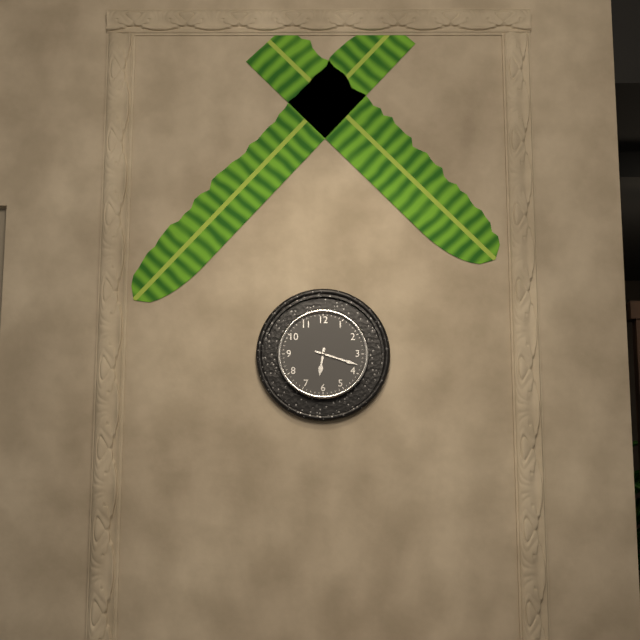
6:18
